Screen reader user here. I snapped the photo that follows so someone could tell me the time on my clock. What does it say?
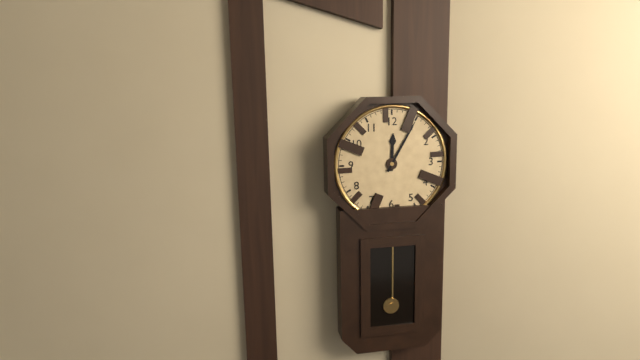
12:05
